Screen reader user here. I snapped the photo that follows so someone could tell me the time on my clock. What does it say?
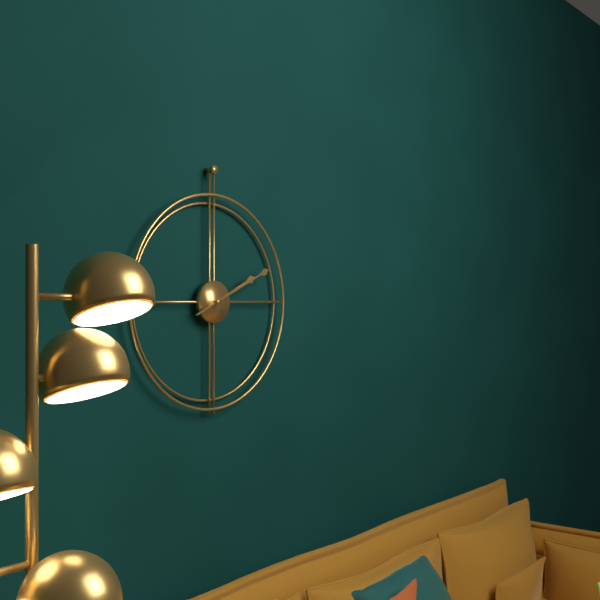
2:11
